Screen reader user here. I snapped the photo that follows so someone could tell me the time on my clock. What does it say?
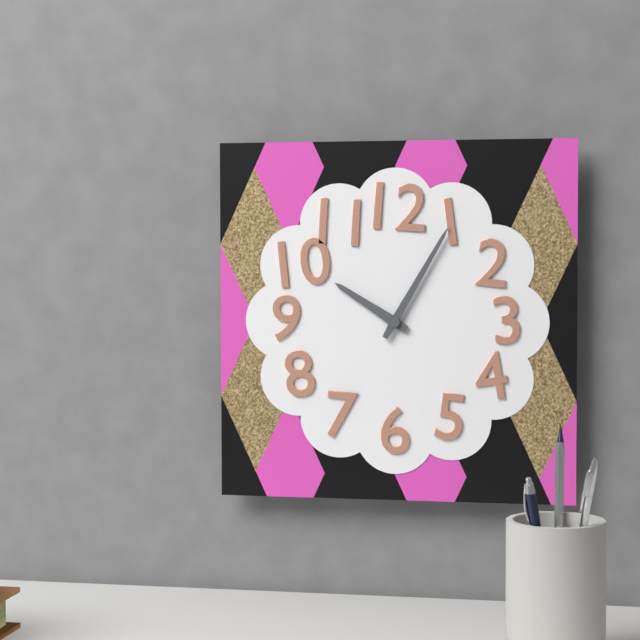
10:05
